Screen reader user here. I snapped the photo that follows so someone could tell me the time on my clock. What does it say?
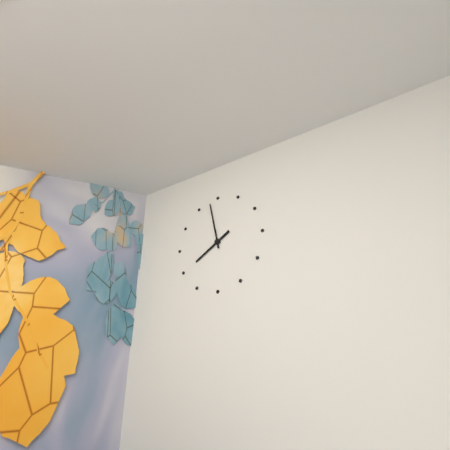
7:58
